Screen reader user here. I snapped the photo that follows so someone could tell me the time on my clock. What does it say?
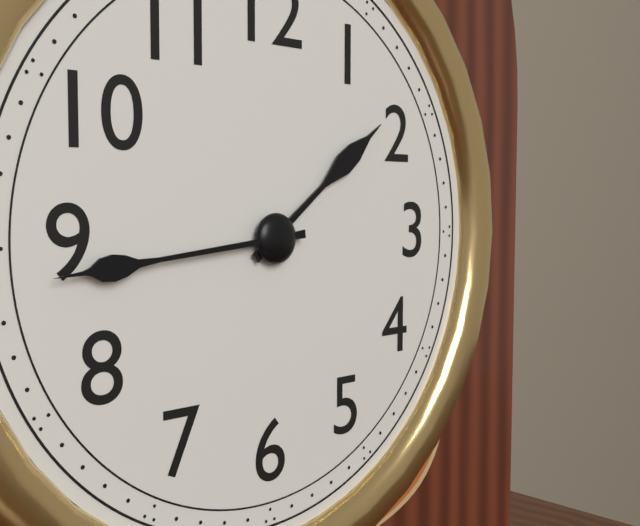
1:44
